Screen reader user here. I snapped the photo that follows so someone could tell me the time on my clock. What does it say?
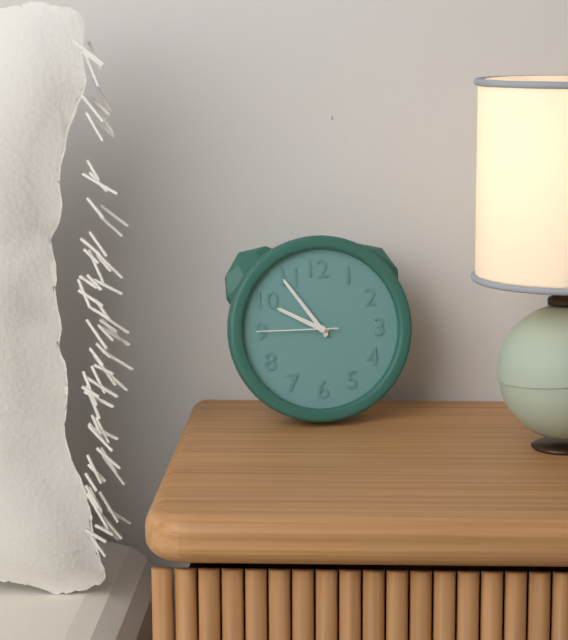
9:54:45
